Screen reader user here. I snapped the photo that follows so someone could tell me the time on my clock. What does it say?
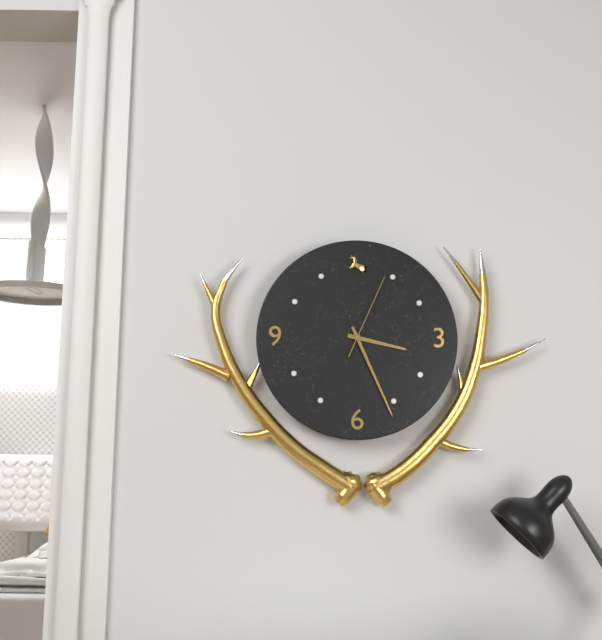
3:26:04
